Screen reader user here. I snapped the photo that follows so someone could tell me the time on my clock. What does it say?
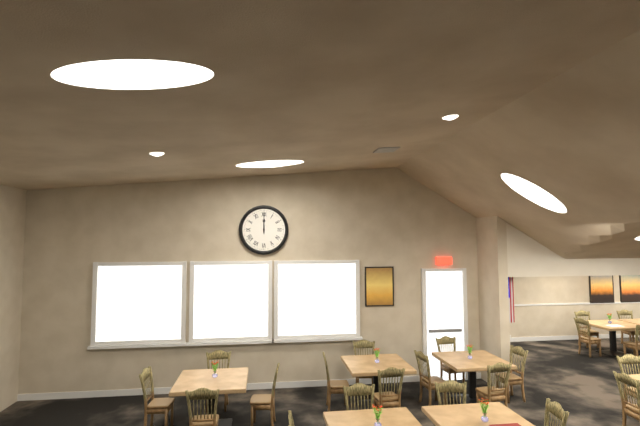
12:00
